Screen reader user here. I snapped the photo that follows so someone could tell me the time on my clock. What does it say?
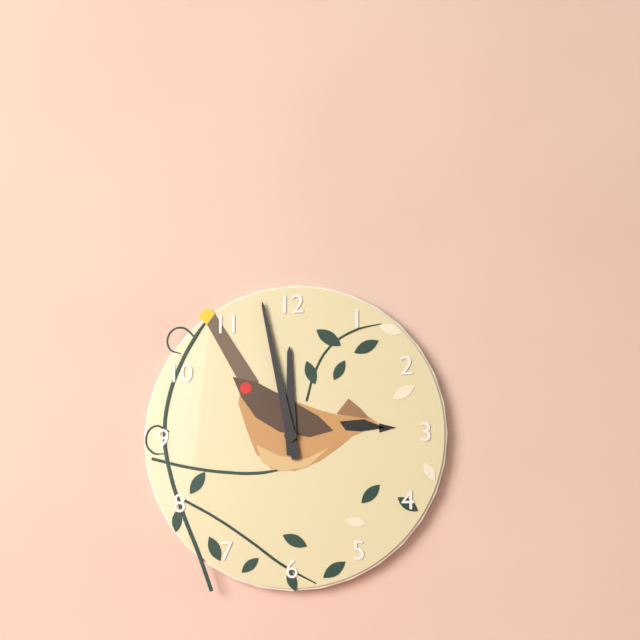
11:58
